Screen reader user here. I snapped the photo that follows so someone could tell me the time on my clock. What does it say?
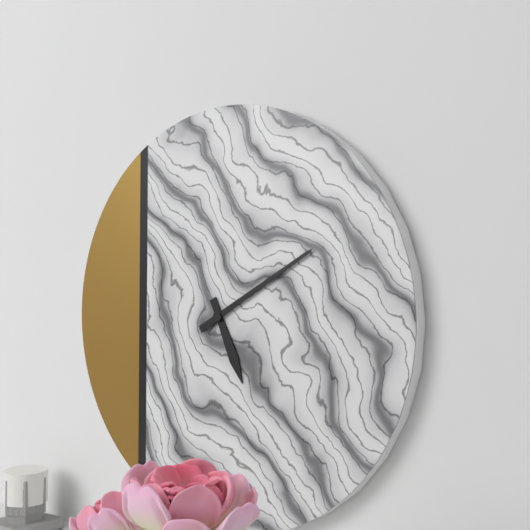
5:10
